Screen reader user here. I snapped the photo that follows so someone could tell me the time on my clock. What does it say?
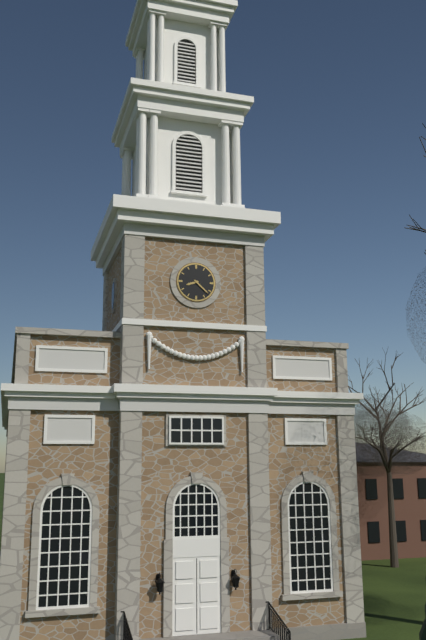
8:22
